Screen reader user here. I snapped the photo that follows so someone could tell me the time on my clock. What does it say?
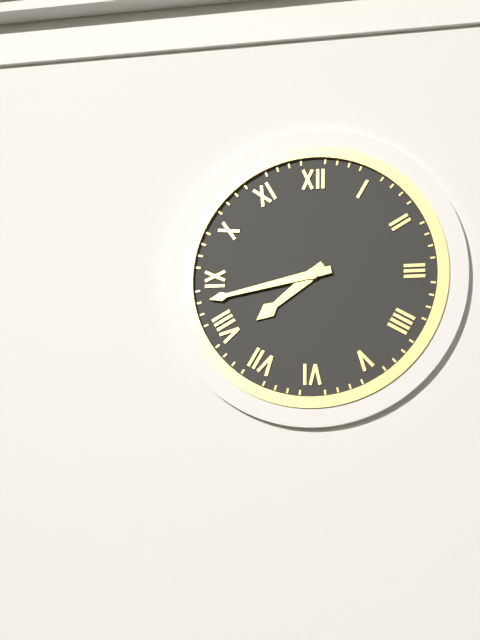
7:43
